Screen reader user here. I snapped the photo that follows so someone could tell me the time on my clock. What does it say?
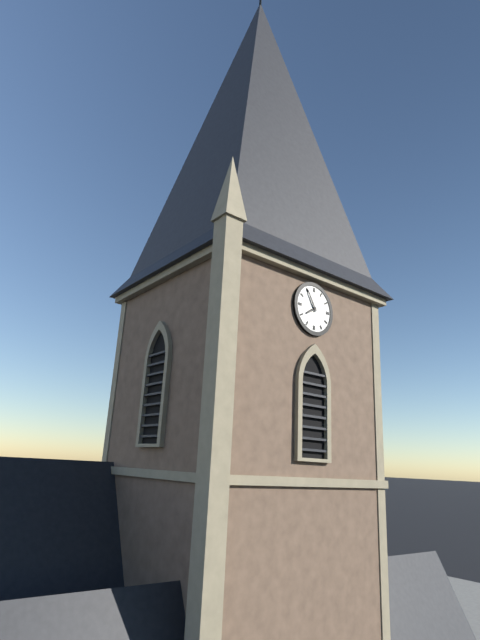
7:55
